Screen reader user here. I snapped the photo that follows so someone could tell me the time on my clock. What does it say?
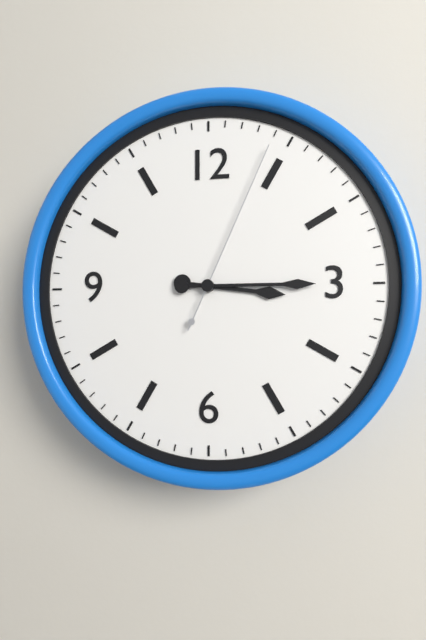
3:15:04
